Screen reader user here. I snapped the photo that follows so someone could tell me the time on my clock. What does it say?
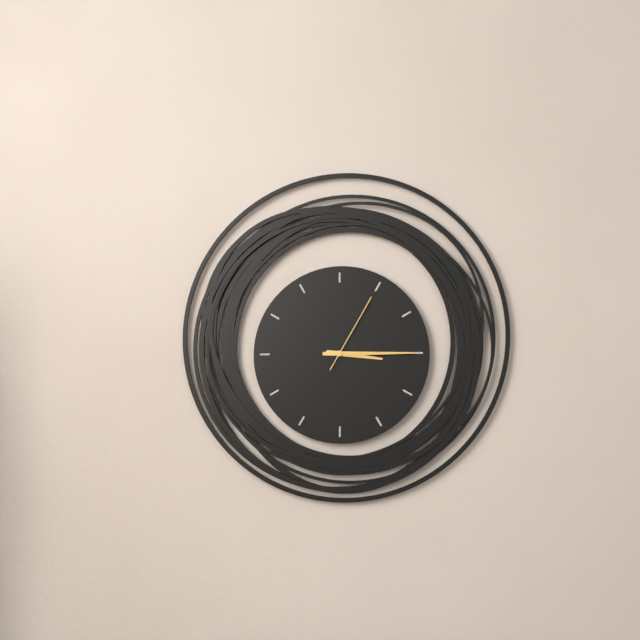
3:15:05
